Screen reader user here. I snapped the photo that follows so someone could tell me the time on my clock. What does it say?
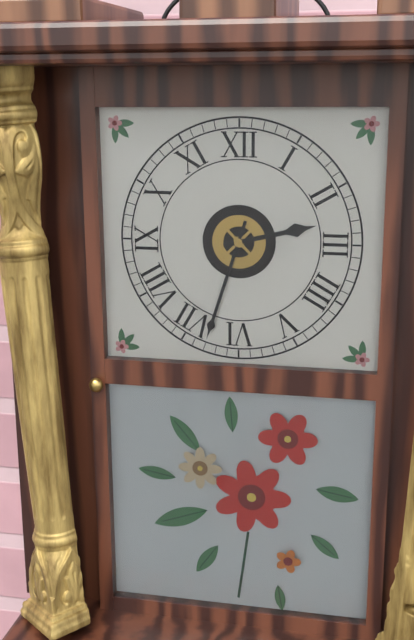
2:33
